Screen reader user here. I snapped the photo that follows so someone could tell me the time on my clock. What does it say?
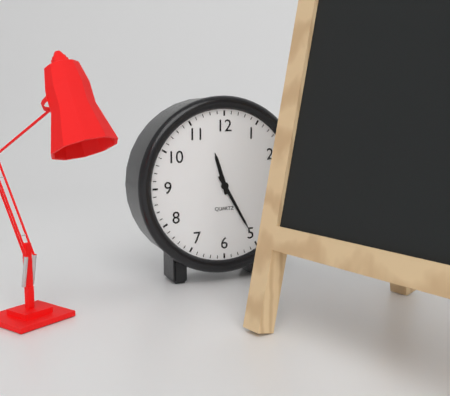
11:25
